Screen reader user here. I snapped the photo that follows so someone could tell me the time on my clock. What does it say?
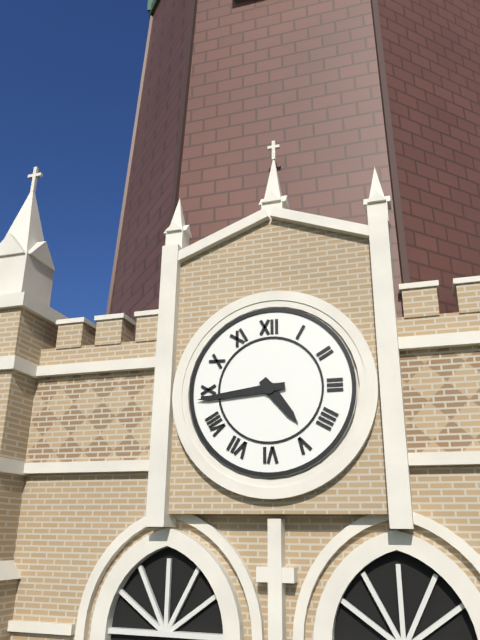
4:44
